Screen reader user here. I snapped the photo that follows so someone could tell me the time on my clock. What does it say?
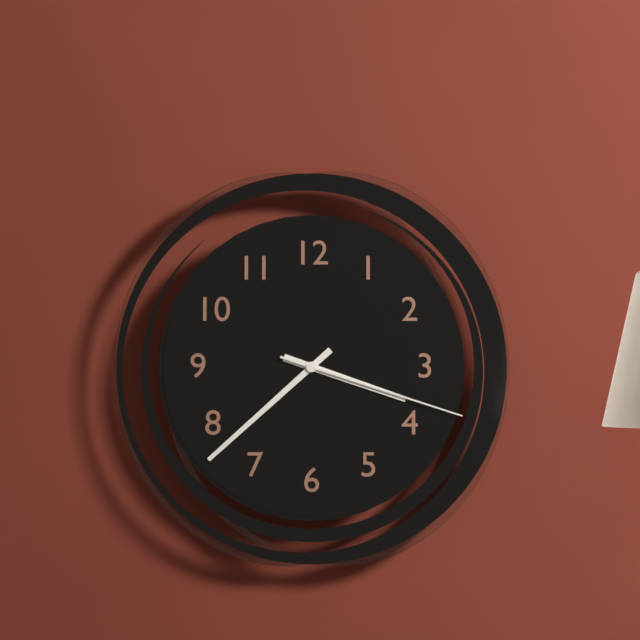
3:38:18
